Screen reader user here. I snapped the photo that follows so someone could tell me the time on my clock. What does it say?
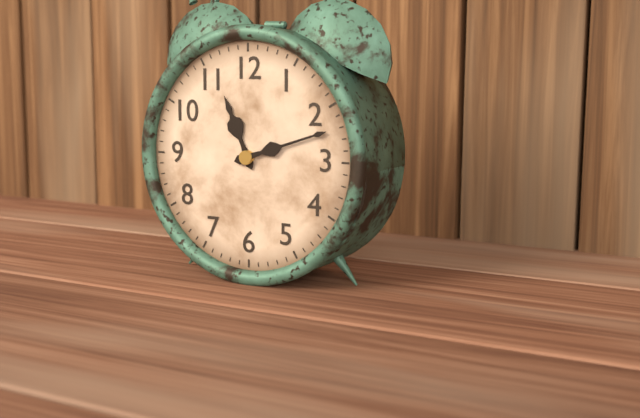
11:12
